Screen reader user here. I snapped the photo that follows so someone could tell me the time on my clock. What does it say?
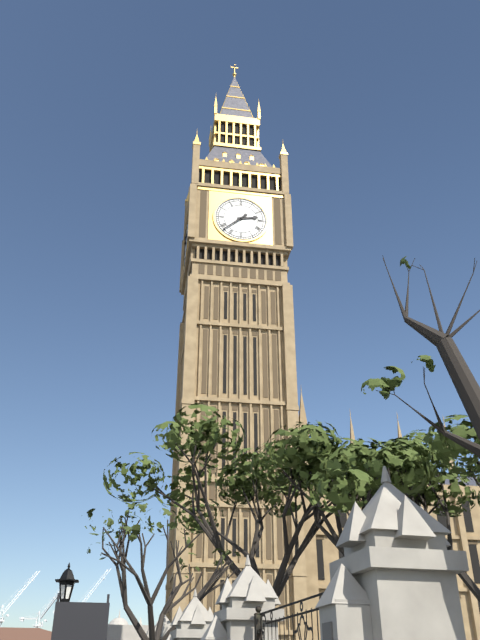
2:38
